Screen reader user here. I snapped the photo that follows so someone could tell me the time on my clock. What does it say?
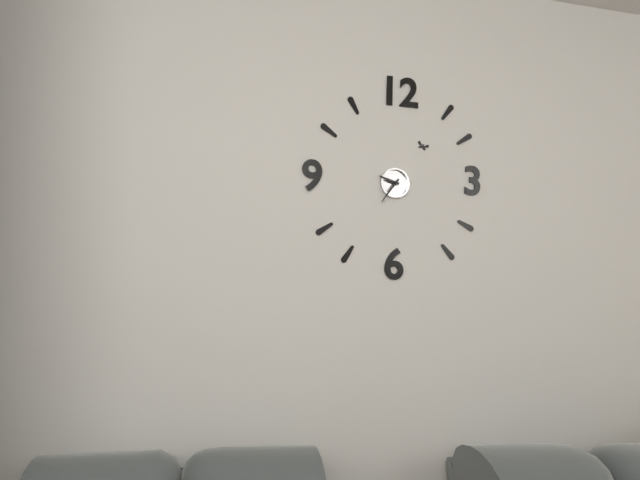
9:36
